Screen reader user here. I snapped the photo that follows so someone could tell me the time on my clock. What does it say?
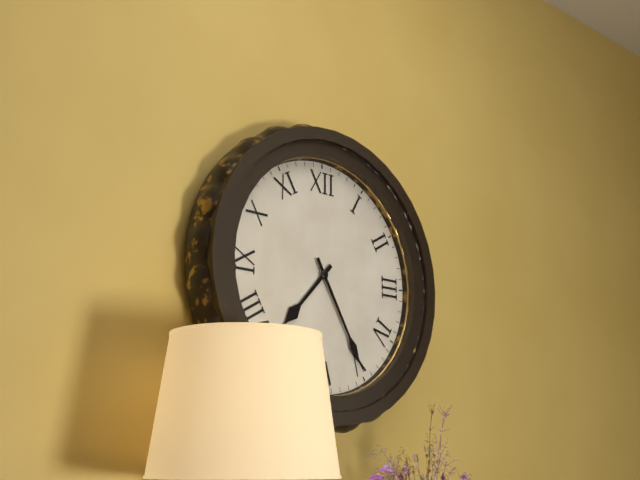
7:25
